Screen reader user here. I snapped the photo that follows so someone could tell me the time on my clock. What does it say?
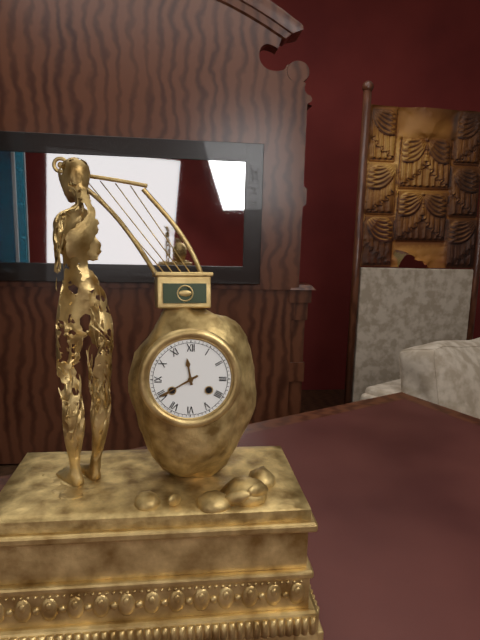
11:40
